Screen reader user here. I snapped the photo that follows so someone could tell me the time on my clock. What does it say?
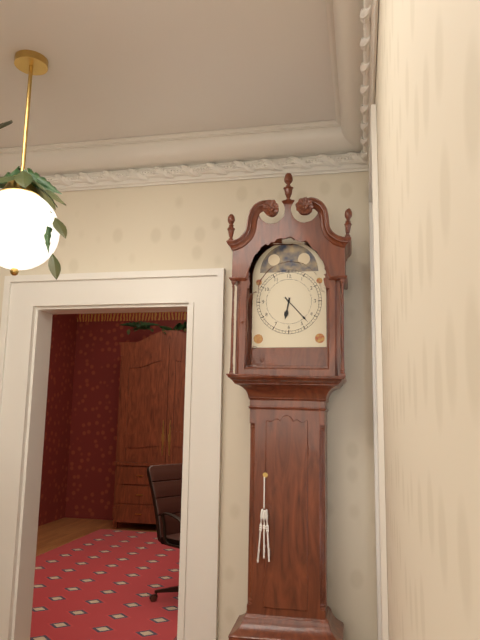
6:23
